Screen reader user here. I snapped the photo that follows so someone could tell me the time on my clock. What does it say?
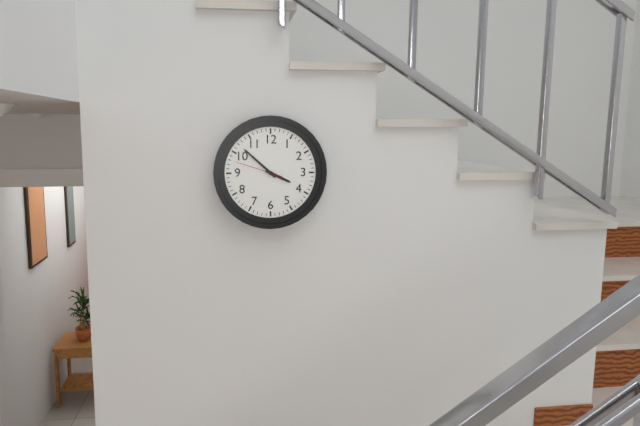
3:52
